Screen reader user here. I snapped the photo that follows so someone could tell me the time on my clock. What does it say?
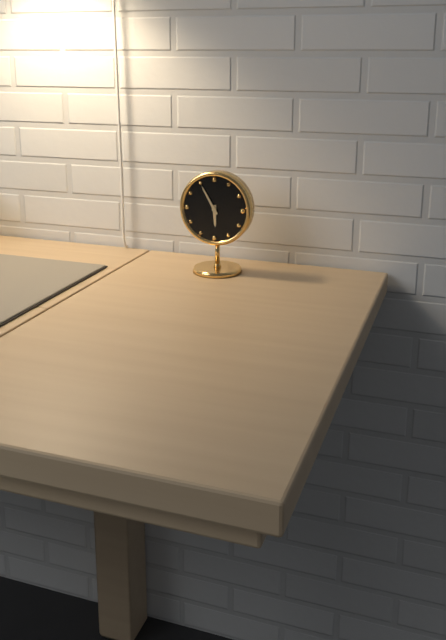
5:55
